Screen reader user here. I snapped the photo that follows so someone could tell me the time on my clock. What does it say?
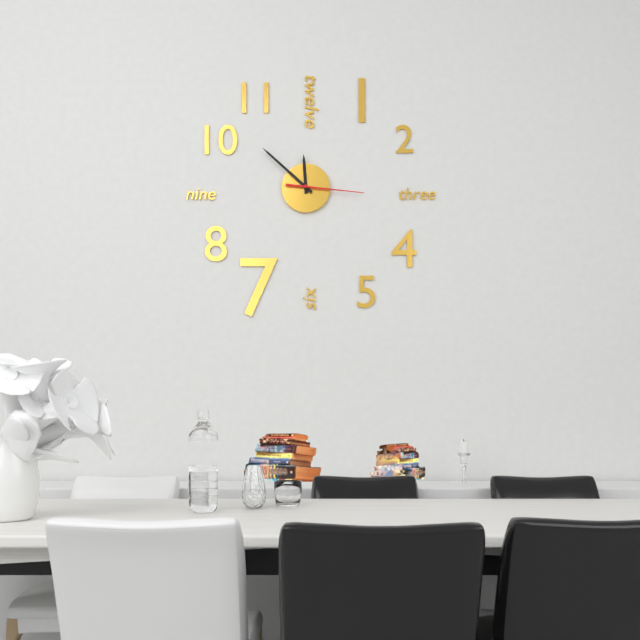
11:52:16
